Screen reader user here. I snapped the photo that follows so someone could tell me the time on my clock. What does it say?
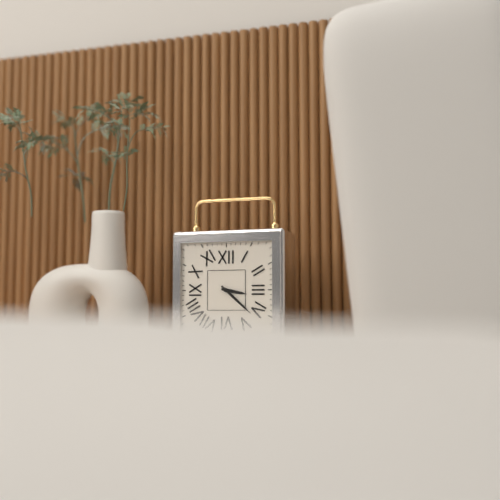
3:22
